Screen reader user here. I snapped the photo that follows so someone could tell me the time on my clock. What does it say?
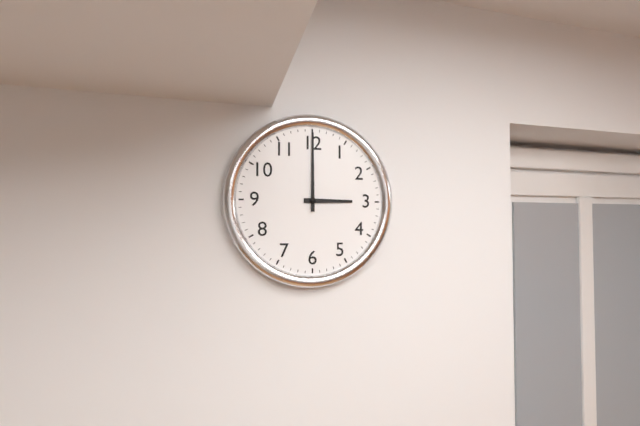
3:00
